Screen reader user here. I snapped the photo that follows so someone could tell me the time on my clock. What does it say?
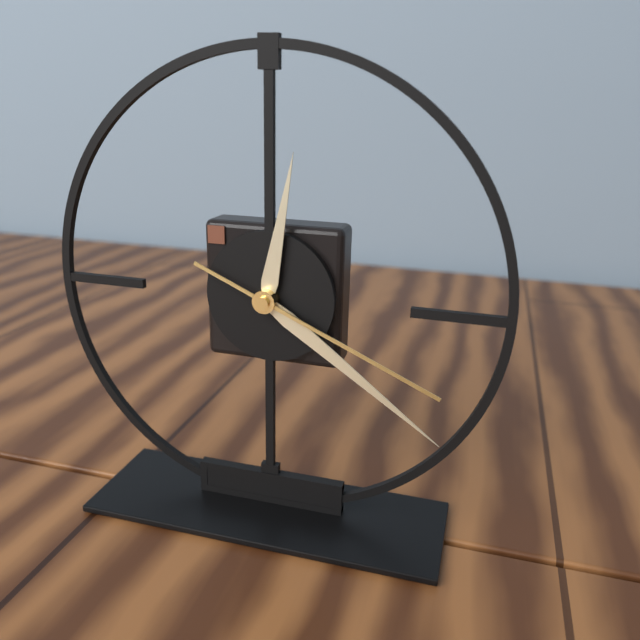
12:21:19
